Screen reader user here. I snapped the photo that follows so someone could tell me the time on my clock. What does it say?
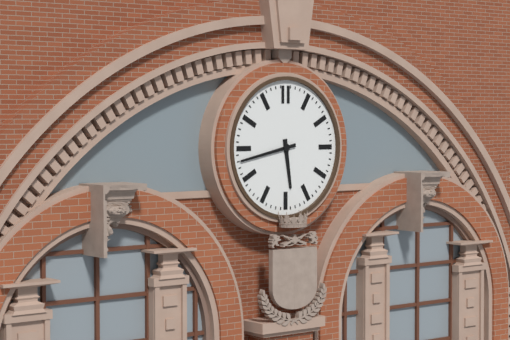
5:43
